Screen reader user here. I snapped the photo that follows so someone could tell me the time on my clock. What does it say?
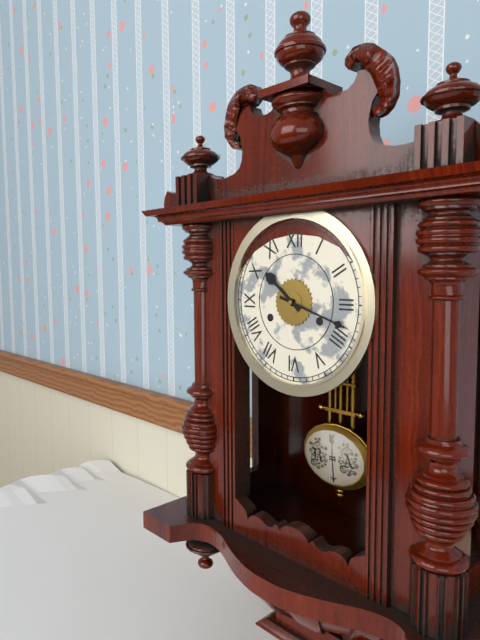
10:18
